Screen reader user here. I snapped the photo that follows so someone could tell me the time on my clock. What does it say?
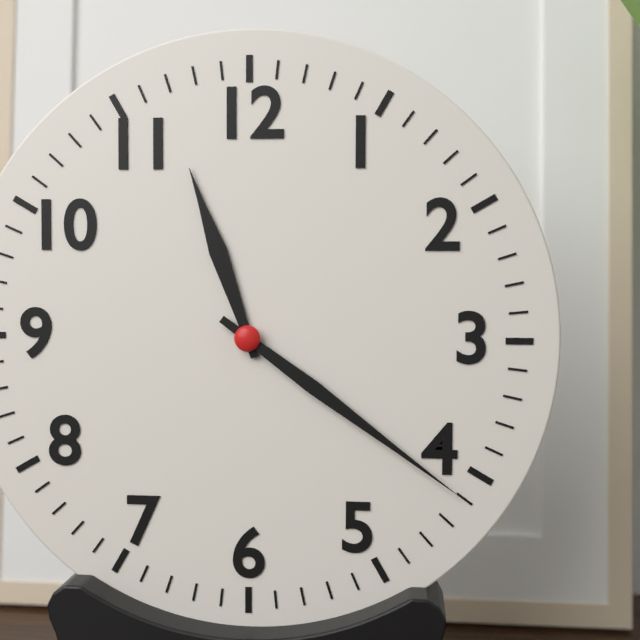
11:21
